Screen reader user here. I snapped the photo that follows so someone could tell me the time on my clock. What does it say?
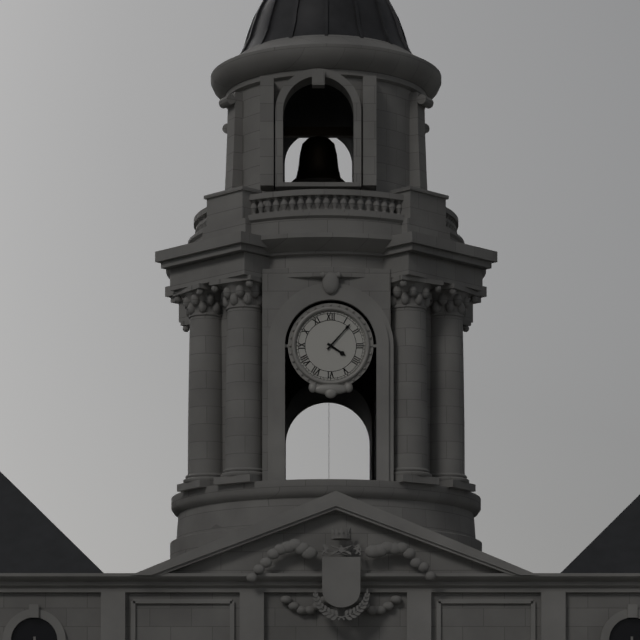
4:07
